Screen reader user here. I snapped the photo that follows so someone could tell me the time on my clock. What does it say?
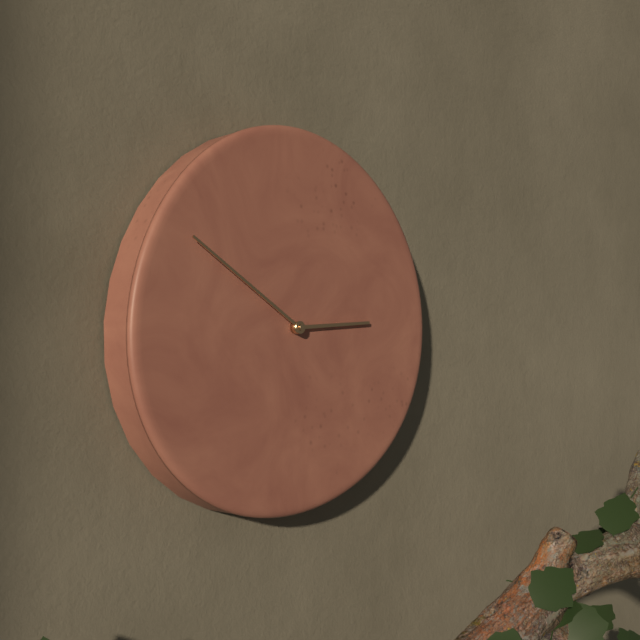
2:50
